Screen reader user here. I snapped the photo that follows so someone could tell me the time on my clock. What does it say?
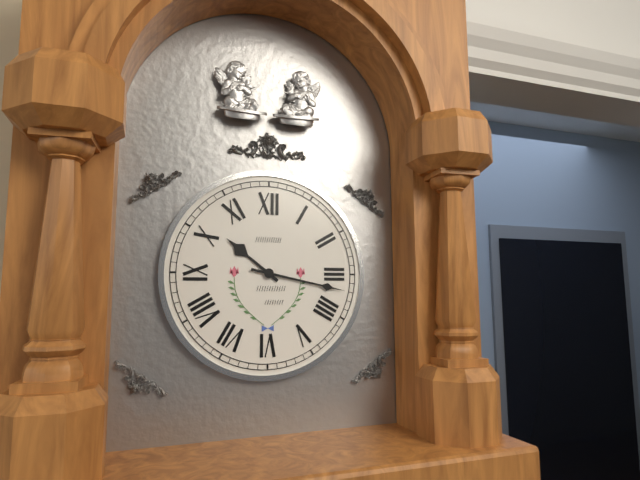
10:17
